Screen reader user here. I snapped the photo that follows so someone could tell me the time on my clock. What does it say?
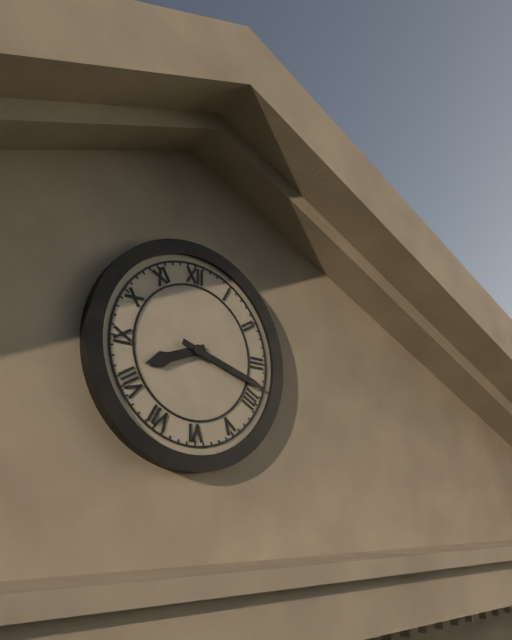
8:18
